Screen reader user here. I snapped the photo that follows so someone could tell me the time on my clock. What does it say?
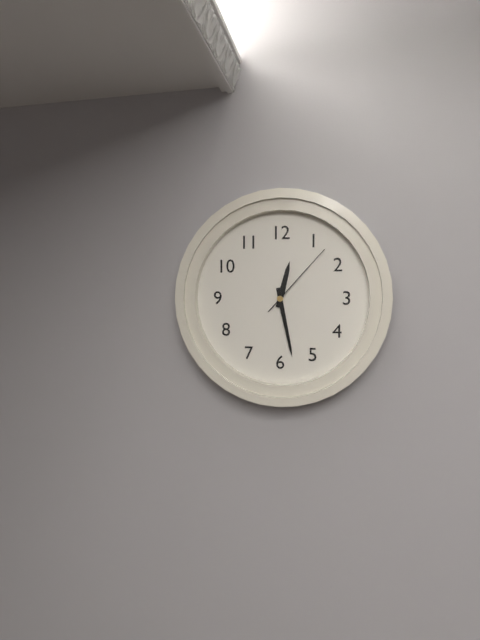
12:28:07
